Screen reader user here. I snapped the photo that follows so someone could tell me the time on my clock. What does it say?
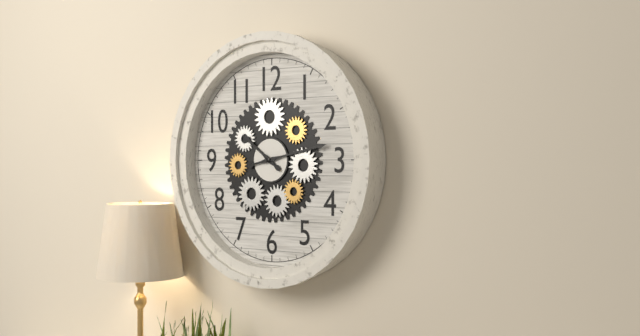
10:13
